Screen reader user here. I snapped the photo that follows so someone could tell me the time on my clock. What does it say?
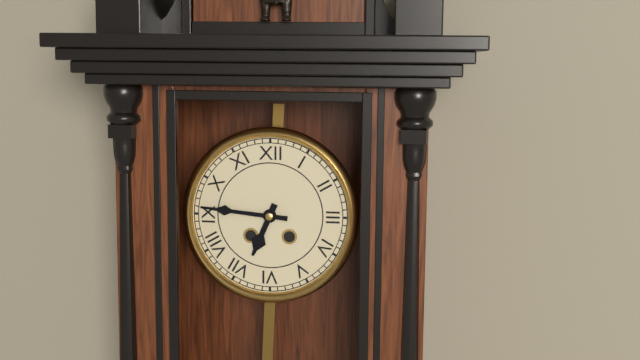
6:46
